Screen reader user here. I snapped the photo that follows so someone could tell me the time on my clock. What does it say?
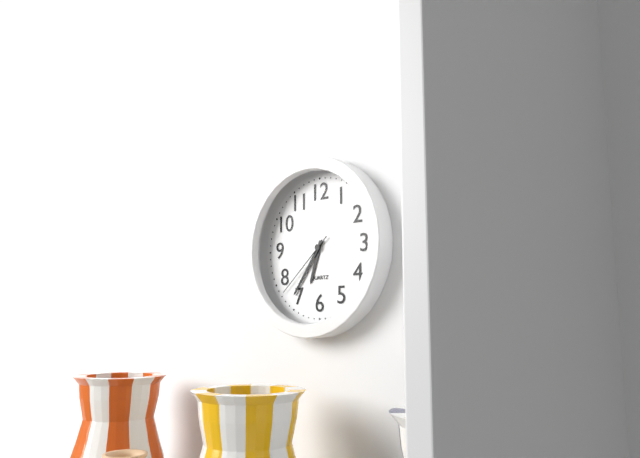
6:36:38
